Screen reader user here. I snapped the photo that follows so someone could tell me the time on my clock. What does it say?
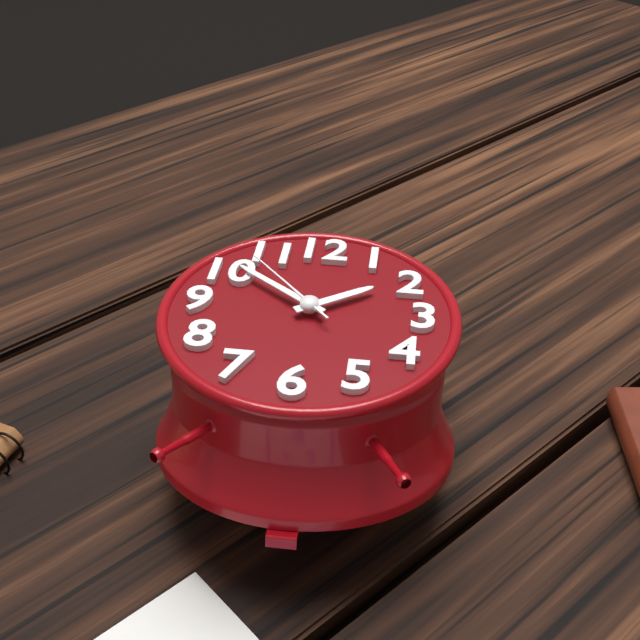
1:51:53
